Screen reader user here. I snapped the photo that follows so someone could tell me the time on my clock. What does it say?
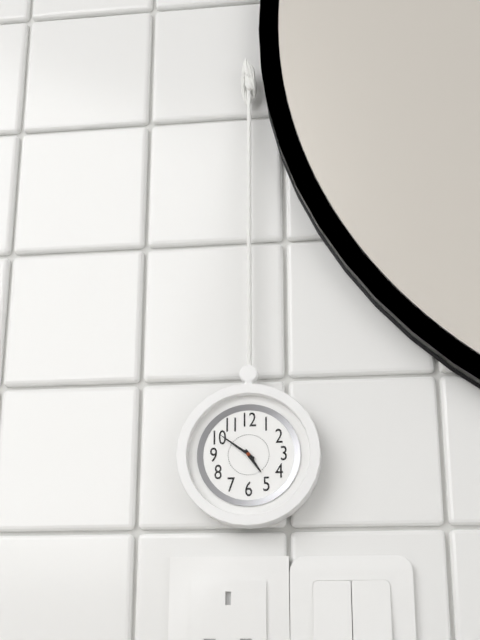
4:51
